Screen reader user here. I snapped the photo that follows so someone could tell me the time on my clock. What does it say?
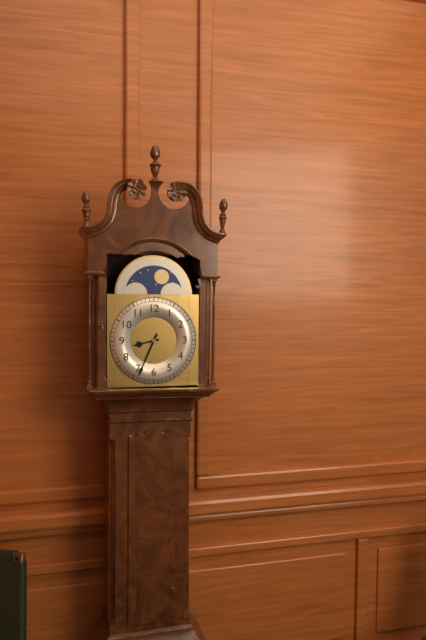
8:34
